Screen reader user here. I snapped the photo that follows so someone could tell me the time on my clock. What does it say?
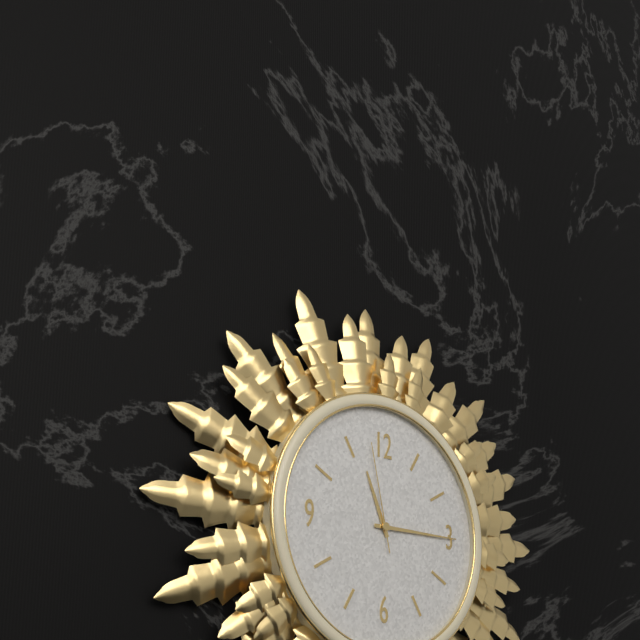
11:15:58
